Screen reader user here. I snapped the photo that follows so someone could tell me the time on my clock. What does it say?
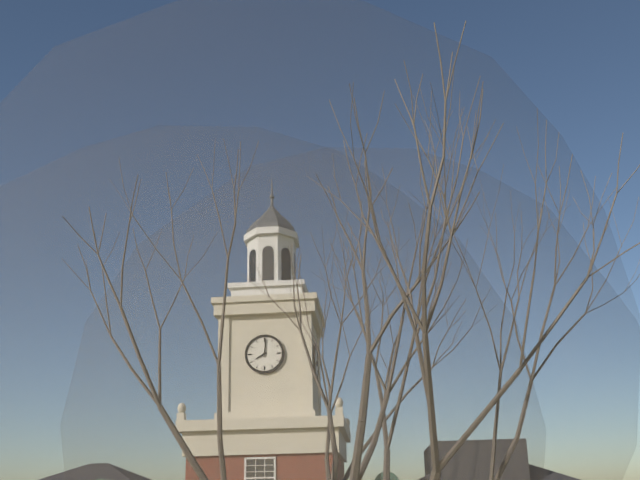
8:01
